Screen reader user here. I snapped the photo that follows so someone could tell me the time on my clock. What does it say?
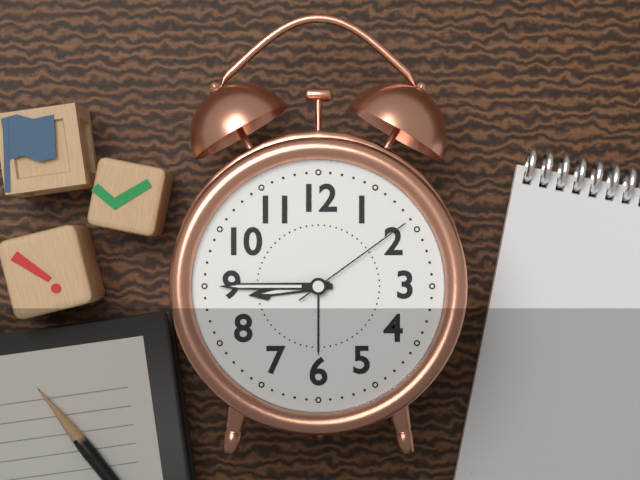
8:45:09
